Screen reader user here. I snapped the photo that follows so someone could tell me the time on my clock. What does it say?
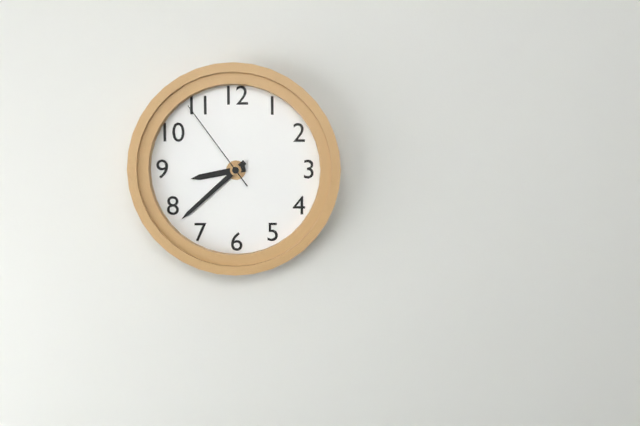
8:38:54
